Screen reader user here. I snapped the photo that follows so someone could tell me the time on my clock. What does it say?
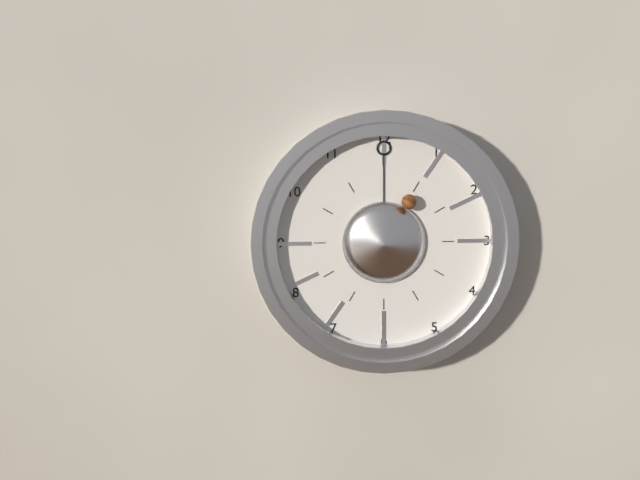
1:00
